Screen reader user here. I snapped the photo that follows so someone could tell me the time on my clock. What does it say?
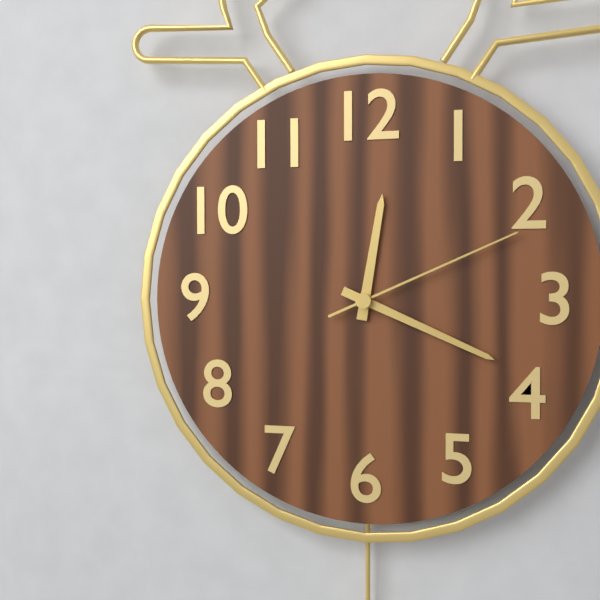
12:19:11
